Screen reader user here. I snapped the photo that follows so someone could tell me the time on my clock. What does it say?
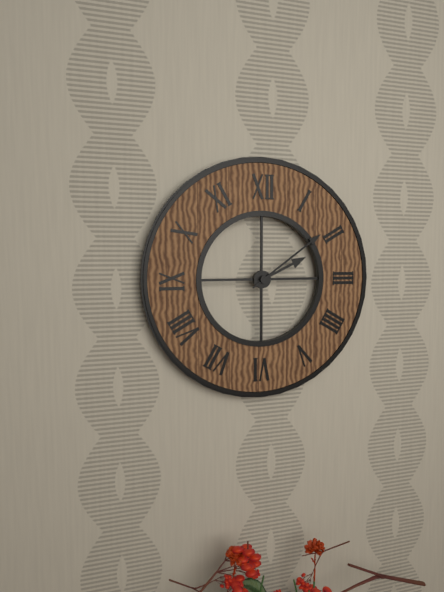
2:09
